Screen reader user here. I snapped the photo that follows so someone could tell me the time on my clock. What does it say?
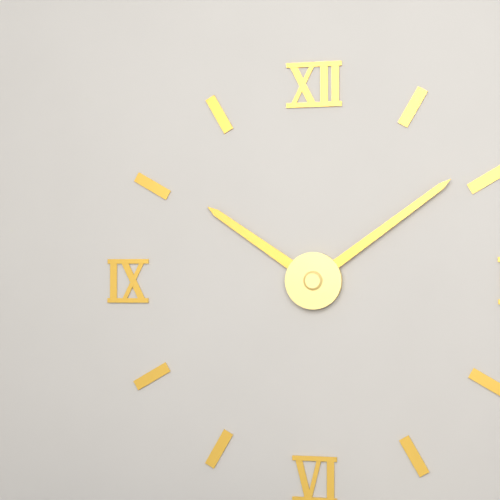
10:09
